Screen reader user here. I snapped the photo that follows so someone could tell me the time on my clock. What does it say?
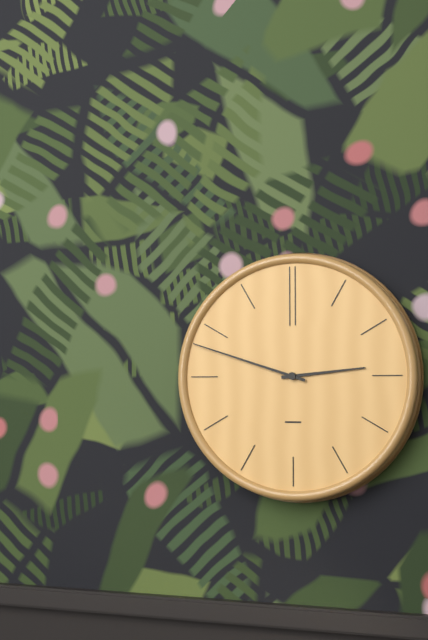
2:48
